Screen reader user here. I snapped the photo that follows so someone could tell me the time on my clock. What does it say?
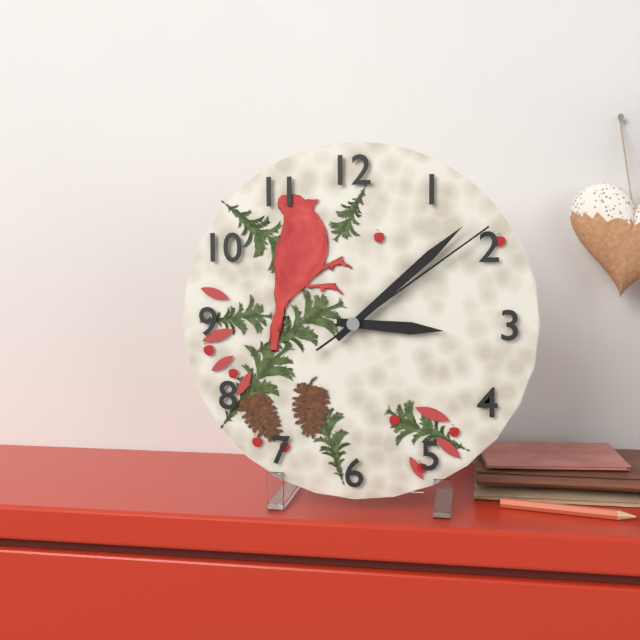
3:08:09
